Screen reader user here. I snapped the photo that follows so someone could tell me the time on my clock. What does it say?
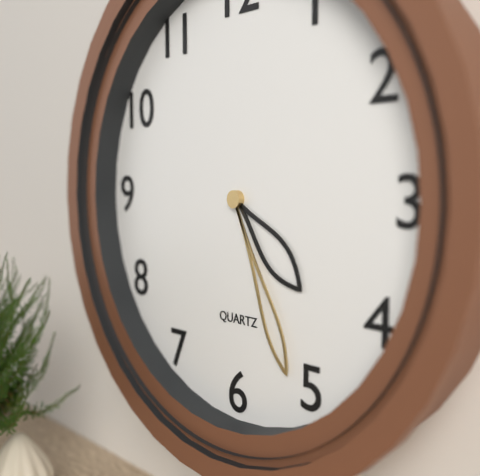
4:26
